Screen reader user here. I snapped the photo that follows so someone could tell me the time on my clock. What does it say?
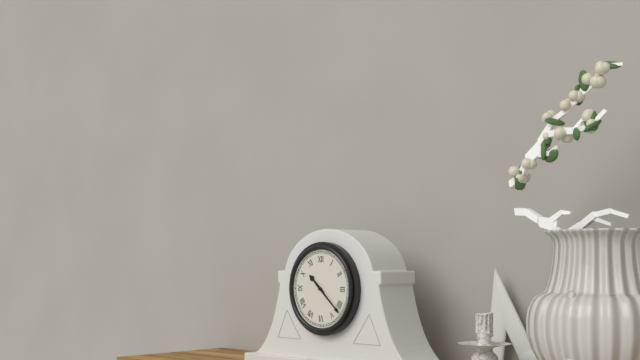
10:22
